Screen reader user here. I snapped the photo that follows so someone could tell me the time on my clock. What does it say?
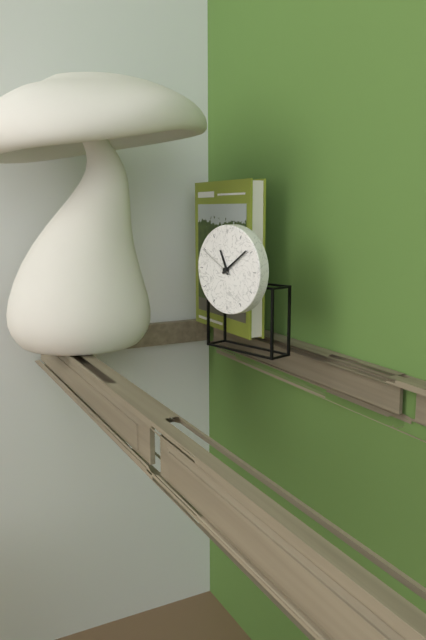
11:09
